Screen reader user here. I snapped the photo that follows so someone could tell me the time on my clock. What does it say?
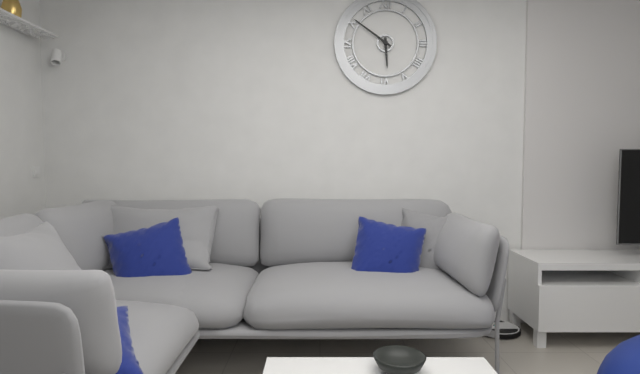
5:51
